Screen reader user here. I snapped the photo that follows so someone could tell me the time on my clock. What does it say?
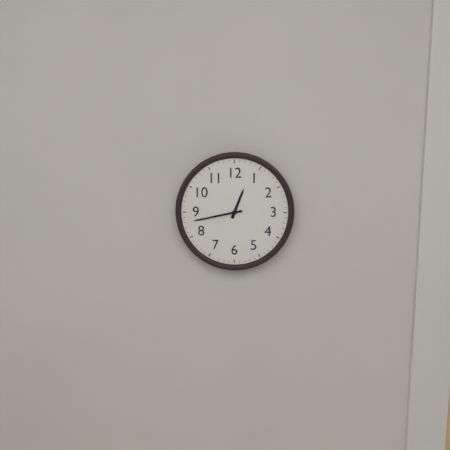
12:43
